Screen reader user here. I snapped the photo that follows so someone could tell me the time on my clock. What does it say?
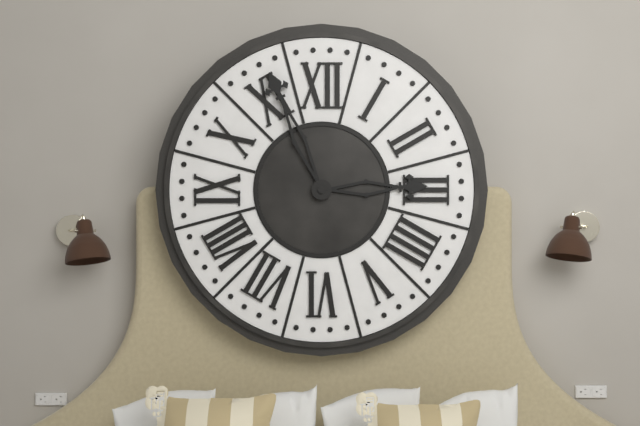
2:56
